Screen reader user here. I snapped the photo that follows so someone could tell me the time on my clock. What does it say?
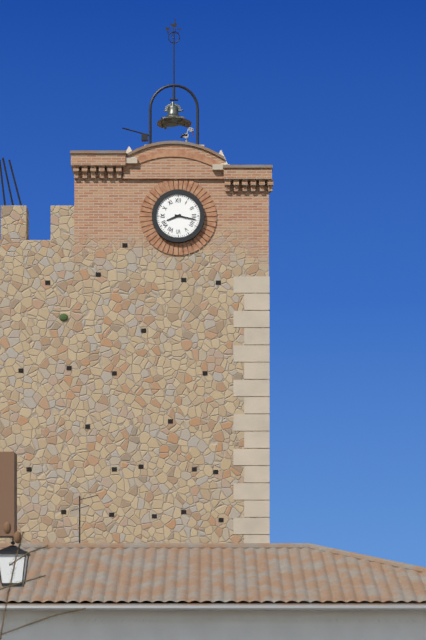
8:17
